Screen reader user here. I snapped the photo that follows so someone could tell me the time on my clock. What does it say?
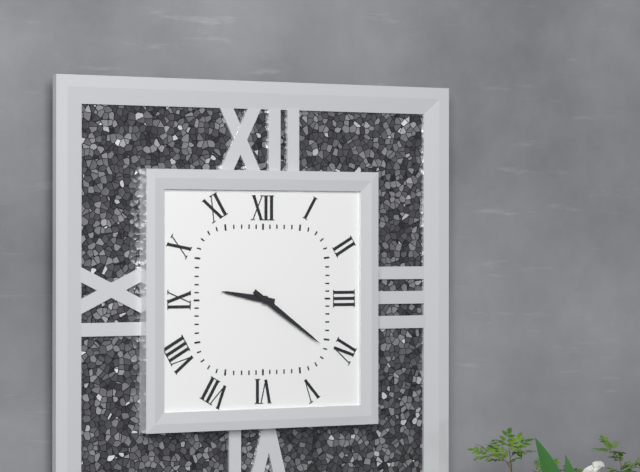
9:21
